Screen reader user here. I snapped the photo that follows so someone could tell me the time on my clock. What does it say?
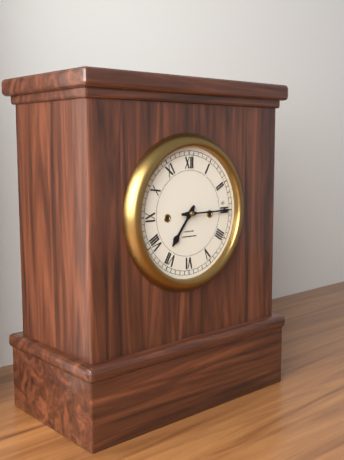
7:15
